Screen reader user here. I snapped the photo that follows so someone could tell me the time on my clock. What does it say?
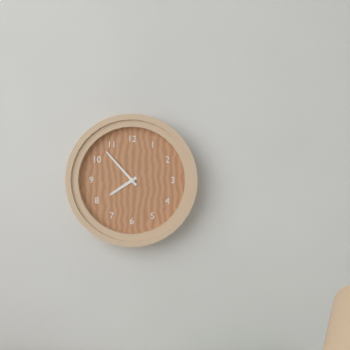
7:53
